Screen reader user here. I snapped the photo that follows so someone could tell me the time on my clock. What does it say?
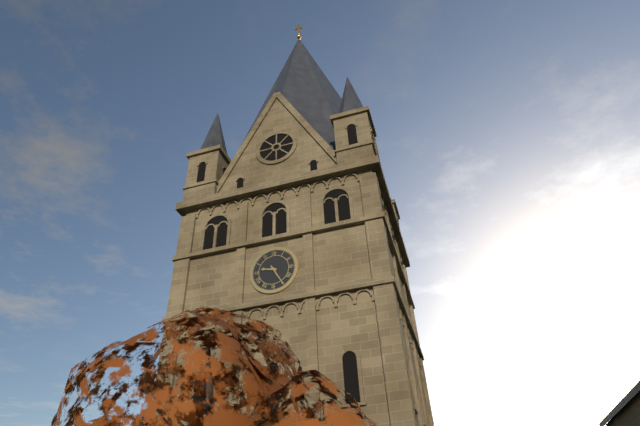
9:25
